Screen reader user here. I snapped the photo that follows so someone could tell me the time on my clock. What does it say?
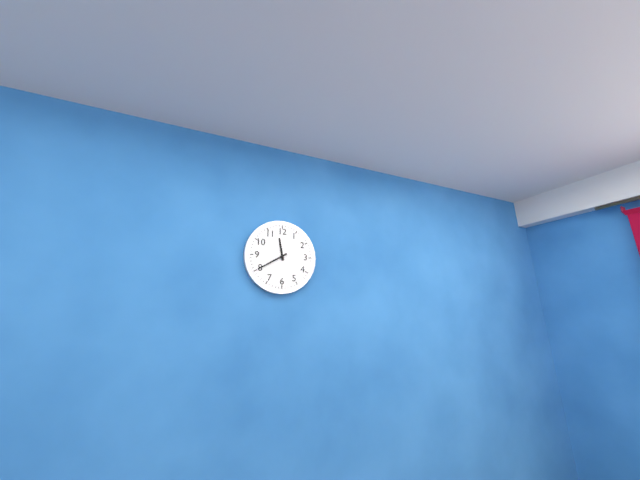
11:40
